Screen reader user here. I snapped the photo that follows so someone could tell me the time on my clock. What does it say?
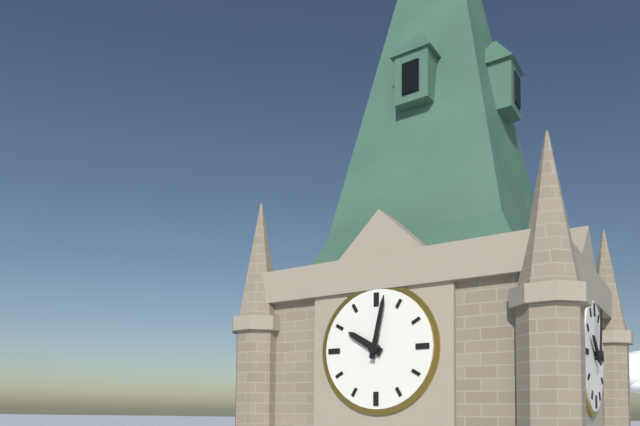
10:02
